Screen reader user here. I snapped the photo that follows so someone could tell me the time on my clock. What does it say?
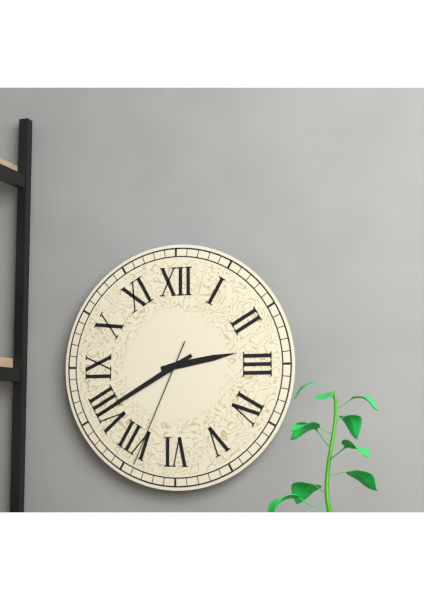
2:40:34
